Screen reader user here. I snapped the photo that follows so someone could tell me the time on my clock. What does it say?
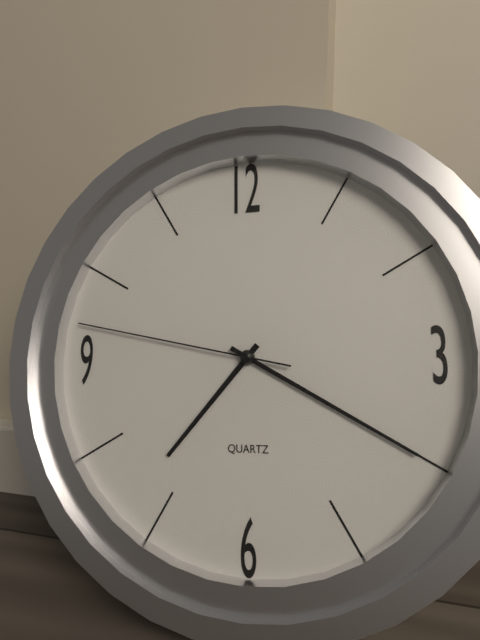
7:20:47
